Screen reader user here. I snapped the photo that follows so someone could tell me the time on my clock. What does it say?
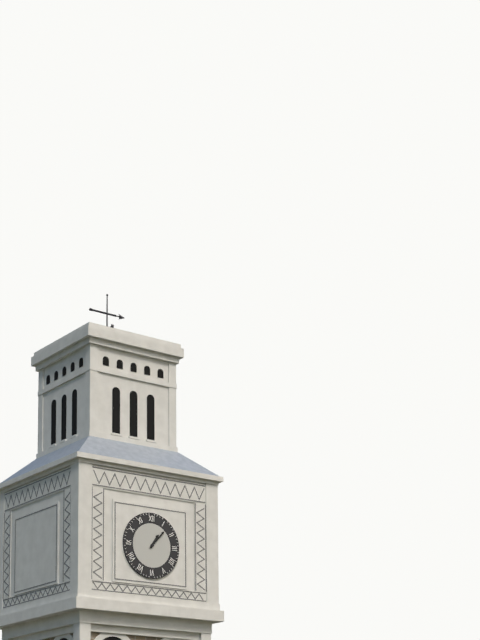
1:07
